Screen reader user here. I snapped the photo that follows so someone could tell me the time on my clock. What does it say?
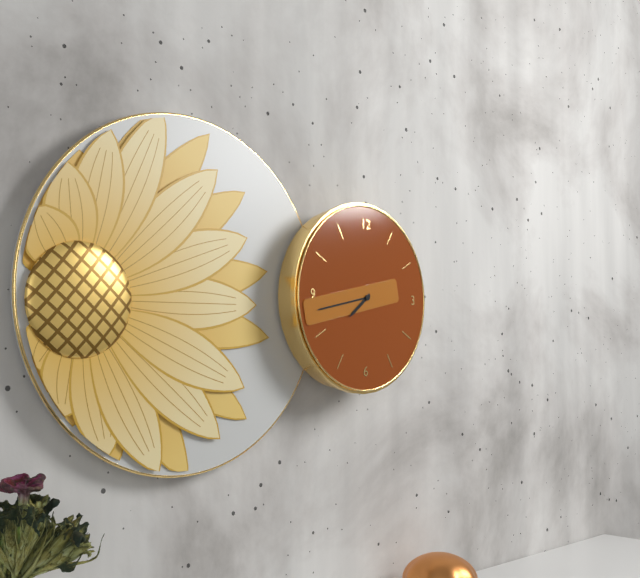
7:43
